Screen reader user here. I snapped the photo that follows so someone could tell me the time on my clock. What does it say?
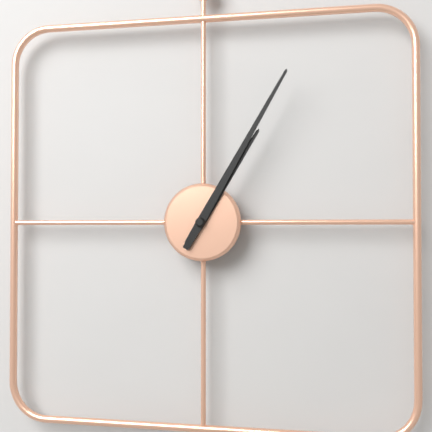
1:05
